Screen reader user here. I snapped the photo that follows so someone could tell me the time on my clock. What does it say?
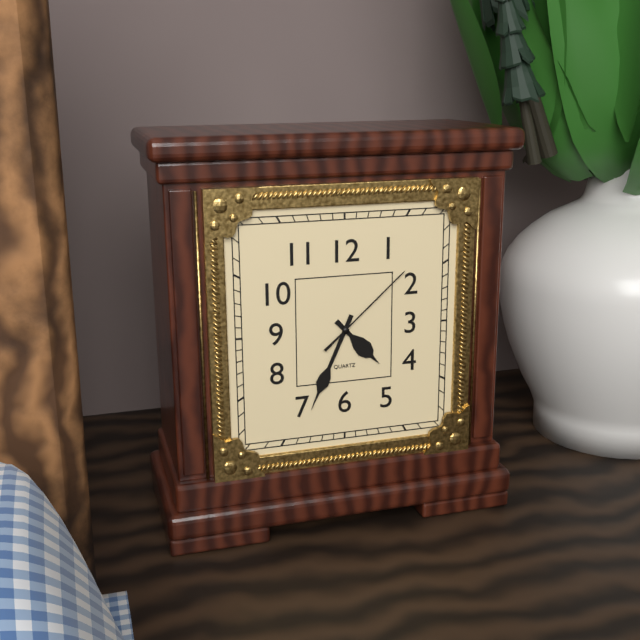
4:34:08
